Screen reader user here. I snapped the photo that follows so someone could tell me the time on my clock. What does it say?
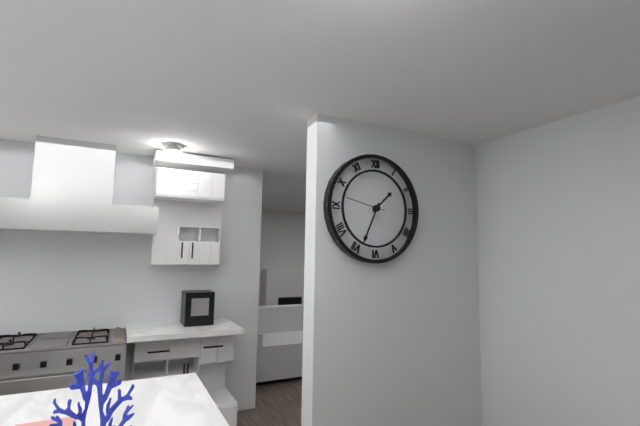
1:34
